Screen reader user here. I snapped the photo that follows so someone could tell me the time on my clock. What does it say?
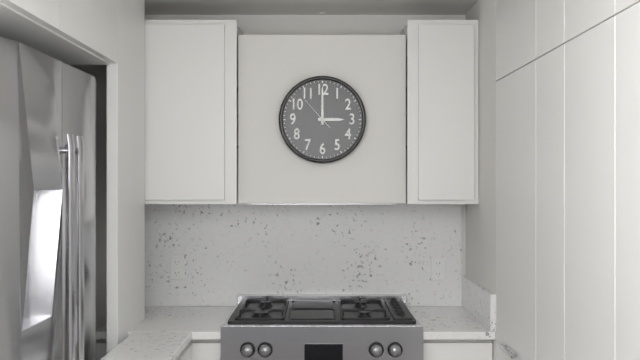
3:00
